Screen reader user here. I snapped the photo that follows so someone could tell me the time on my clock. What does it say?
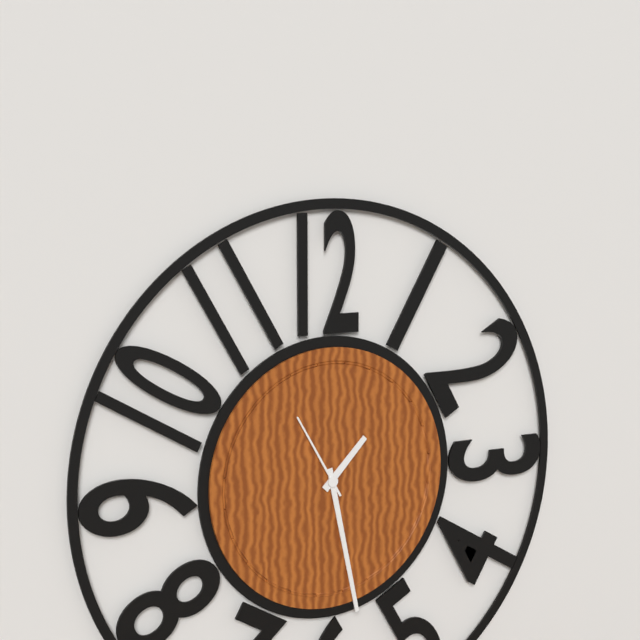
1:28:55
